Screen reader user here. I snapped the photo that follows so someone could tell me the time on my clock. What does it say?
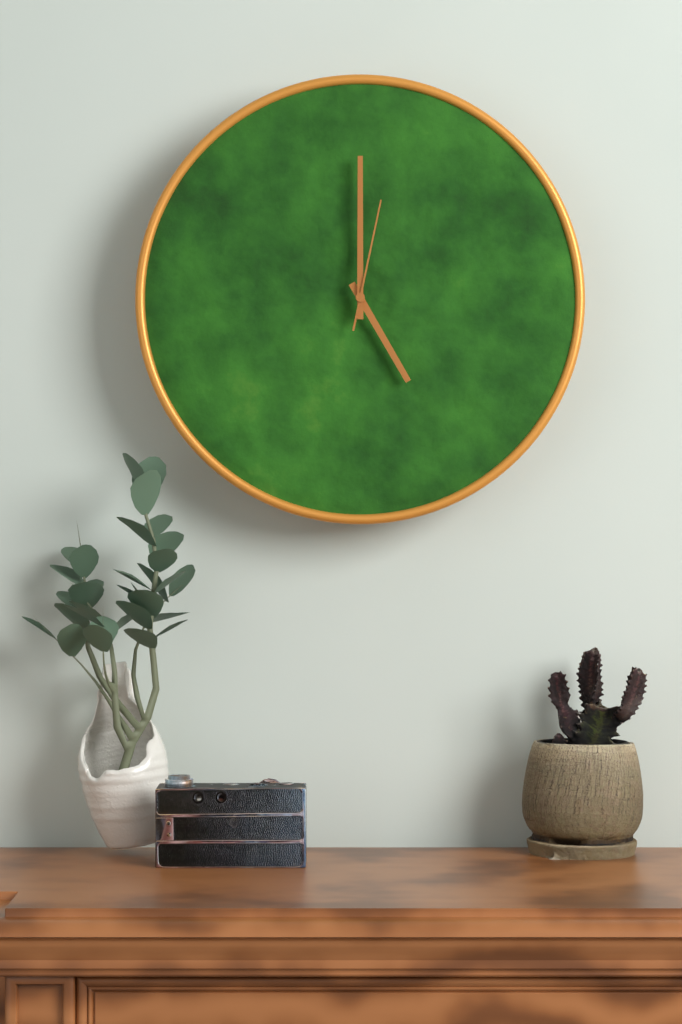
5:00:02
